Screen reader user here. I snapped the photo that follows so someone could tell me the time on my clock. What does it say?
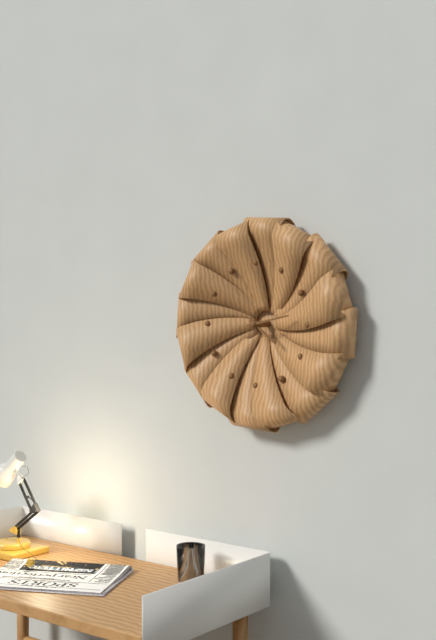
4:13
